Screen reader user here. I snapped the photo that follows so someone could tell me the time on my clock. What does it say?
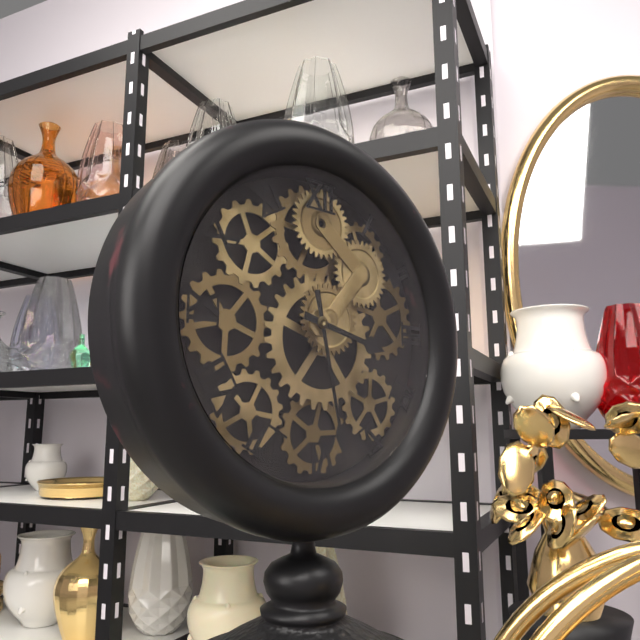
3:28
